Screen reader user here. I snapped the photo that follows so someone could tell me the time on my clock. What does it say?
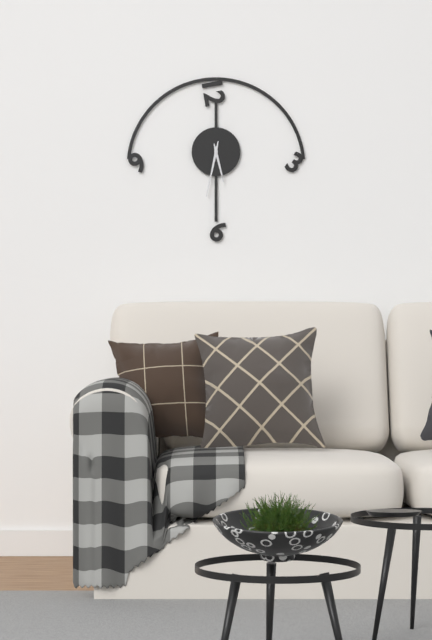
5:32
